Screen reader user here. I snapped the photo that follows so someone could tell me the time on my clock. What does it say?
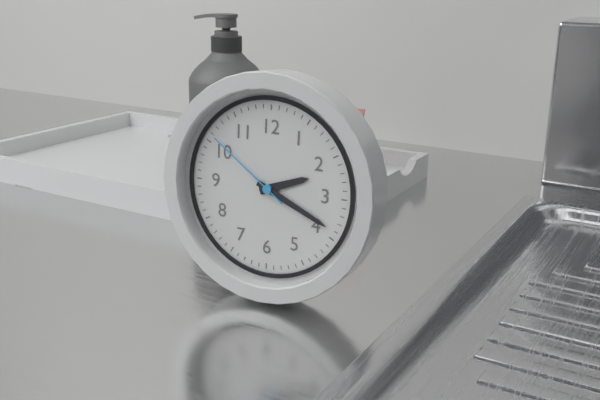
2:19:51
